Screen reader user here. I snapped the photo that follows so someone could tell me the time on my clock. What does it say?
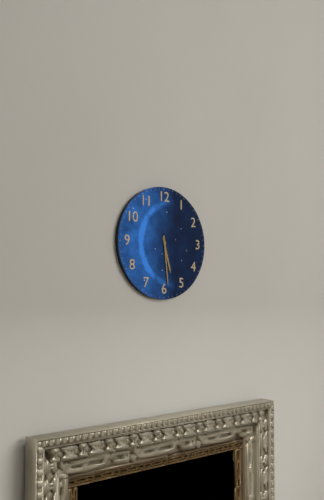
5:29
